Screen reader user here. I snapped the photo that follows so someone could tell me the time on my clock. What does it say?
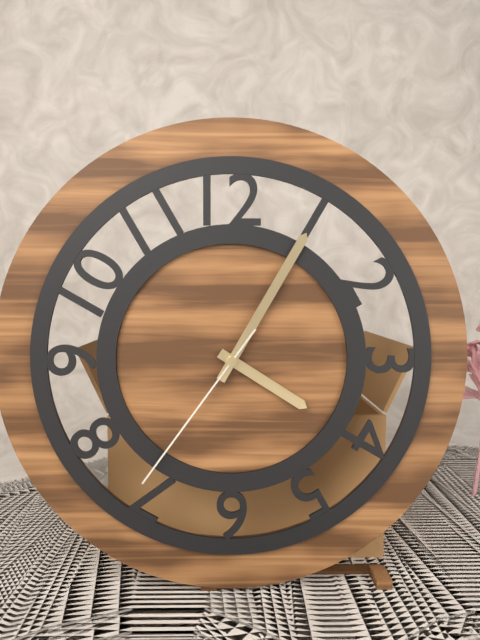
4:05:36
